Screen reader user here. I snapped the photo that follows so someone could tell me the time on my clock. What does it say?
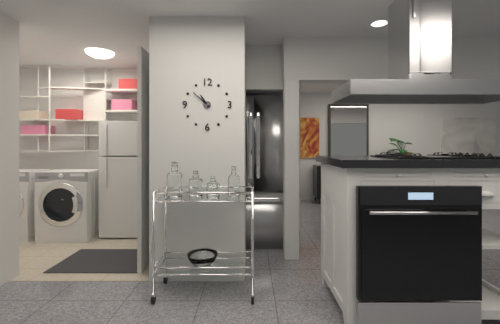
10:52
